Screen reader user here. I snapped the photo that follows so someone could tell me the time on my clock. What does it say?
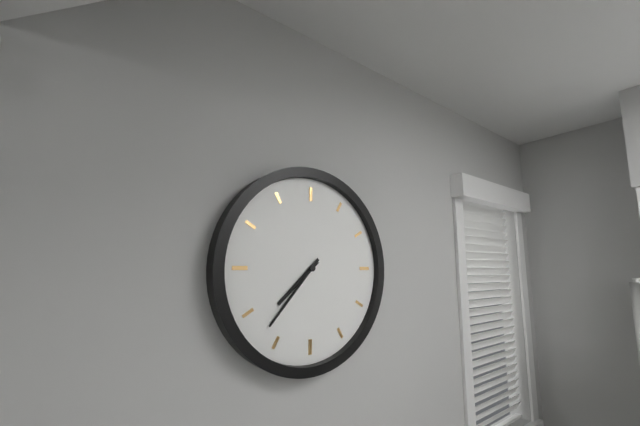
7:37
